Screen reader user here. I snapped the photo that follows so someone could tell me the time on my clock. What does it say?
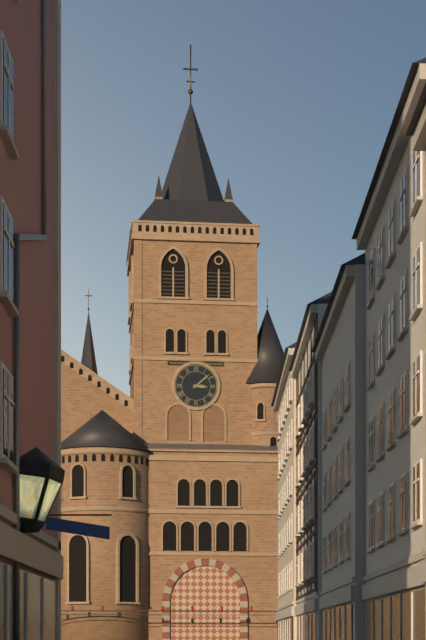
3:08
